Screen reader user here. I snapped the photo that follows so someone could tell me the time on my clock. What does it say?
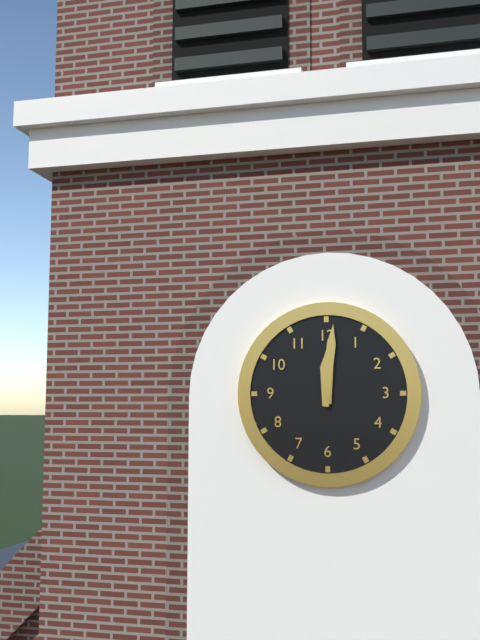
12:01
